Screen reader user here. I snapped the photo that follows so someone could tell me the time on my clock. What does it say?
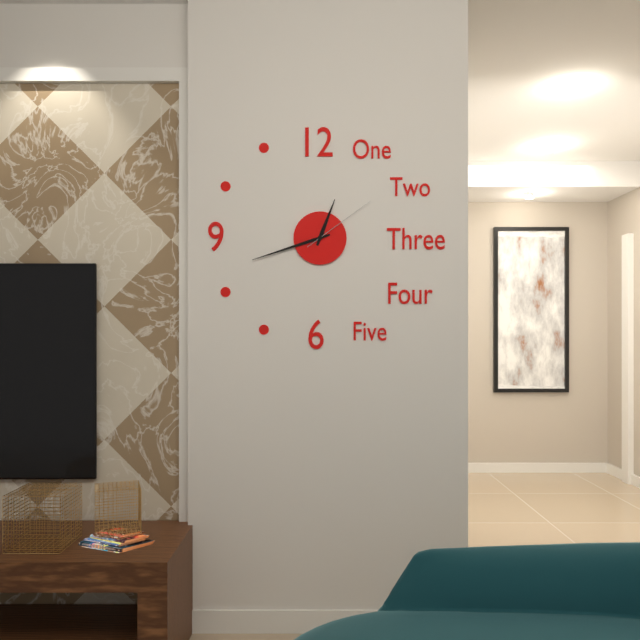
12:42:09
